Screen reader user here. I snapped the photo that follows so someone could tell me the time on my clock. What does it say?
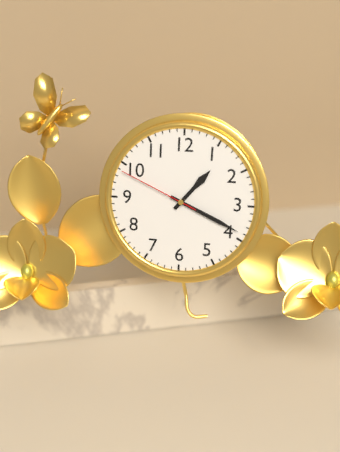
1:19:49
